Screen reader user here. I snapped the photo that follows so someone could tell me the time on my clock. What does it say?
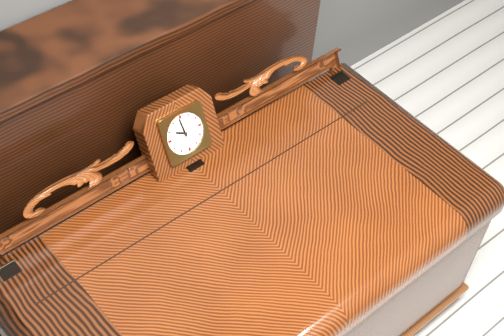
9:59
